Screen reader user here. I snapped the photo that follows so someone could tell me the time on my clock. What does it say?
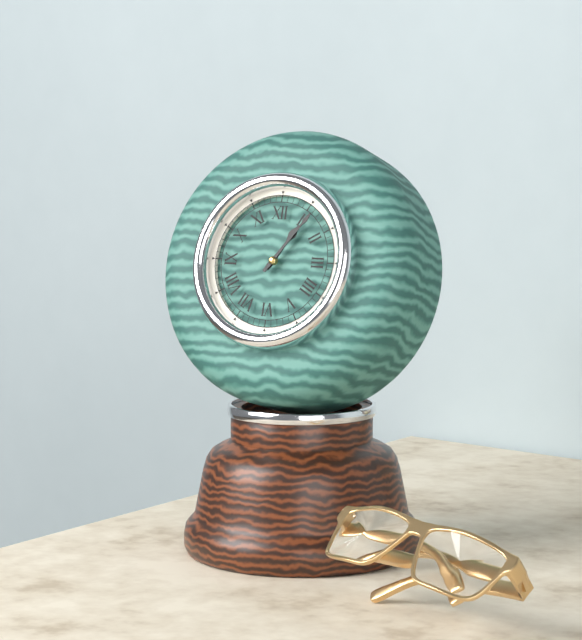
1:06
